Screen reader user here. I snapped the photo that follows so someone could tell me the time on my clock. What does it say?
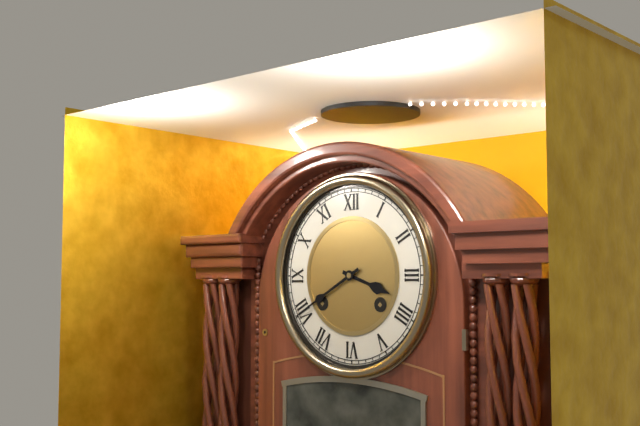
3:40
